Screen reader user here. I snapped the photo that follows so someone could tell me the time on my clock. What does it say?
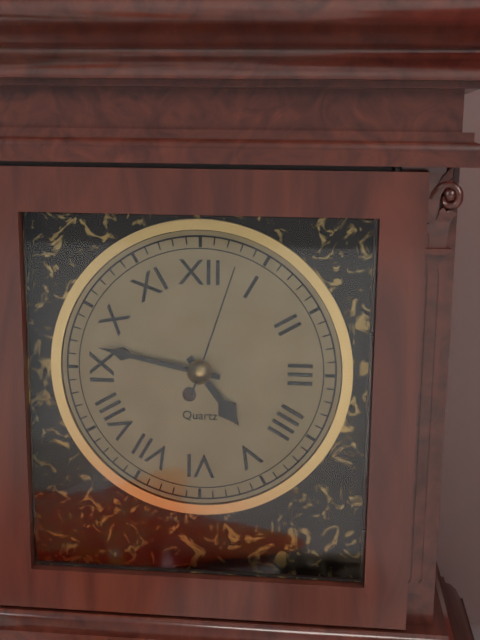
4:47:03
